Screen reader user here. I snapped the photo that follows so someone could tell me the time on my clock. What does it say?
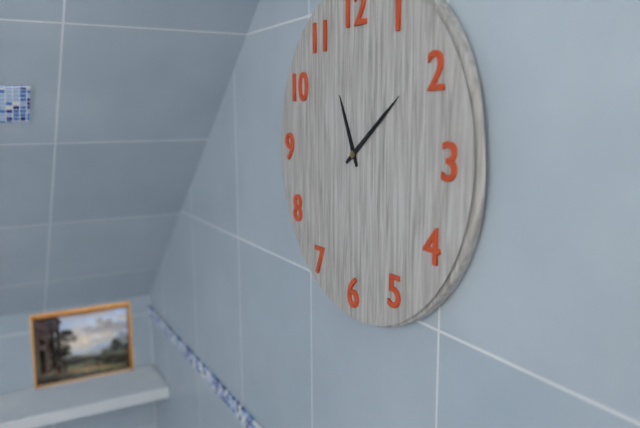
11:09
